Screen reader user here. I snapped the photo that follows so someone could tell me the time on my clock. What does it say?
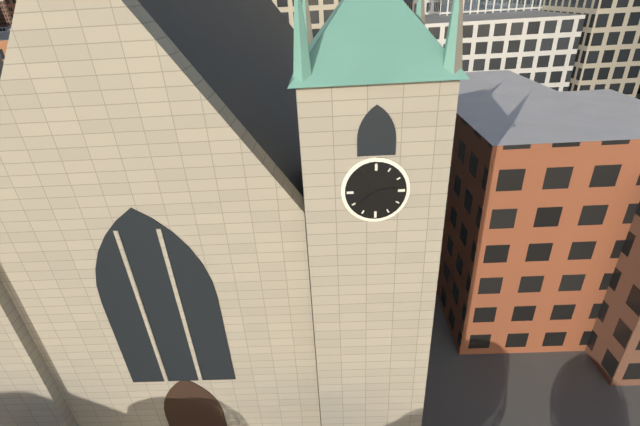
2:39
